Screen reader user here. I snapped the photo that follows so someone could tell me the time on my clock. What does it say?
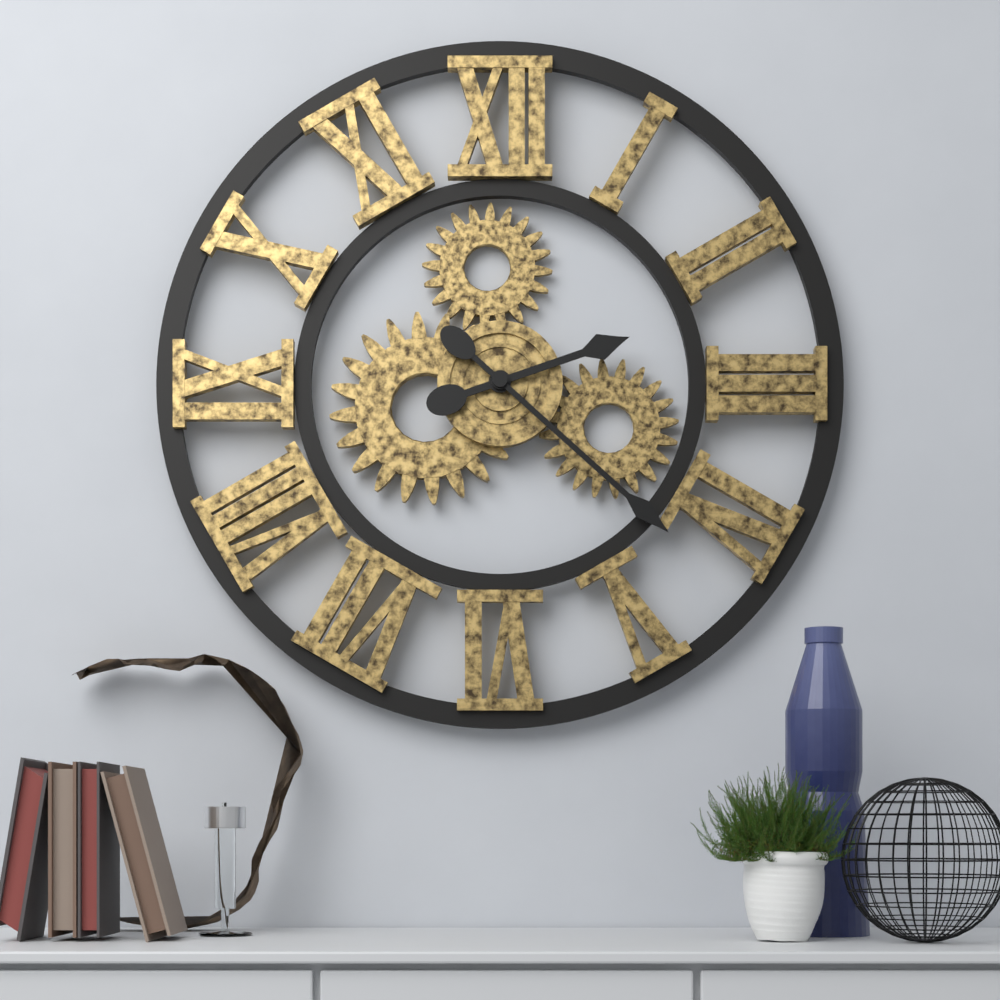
2:22
